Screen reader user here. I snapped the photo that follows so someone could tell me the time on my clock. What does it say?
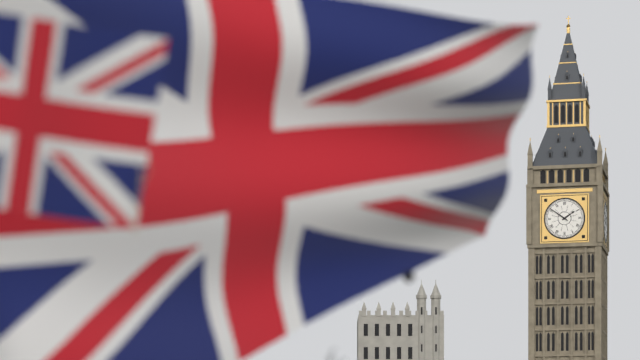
1:51
